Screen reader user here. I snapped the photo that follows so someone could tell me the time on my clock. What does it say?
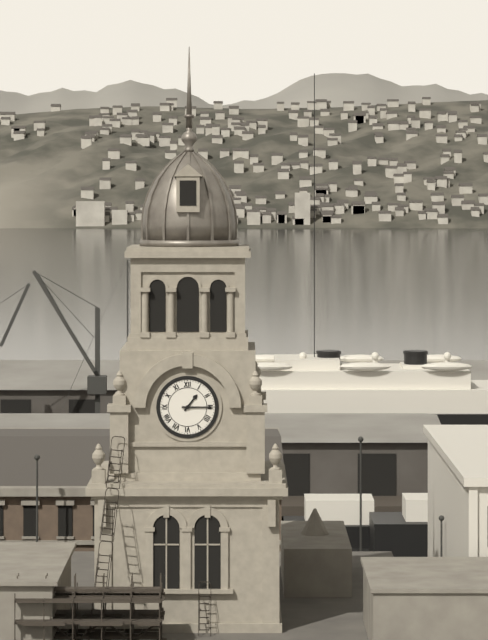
1:15
